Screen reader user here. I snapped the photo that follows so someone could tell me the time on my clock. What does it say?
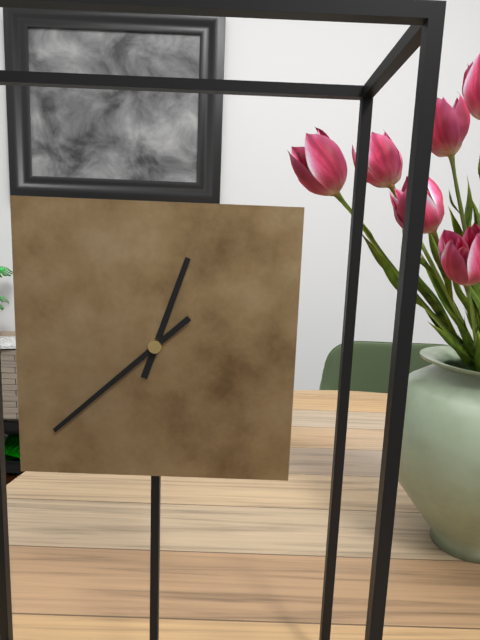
12:38
